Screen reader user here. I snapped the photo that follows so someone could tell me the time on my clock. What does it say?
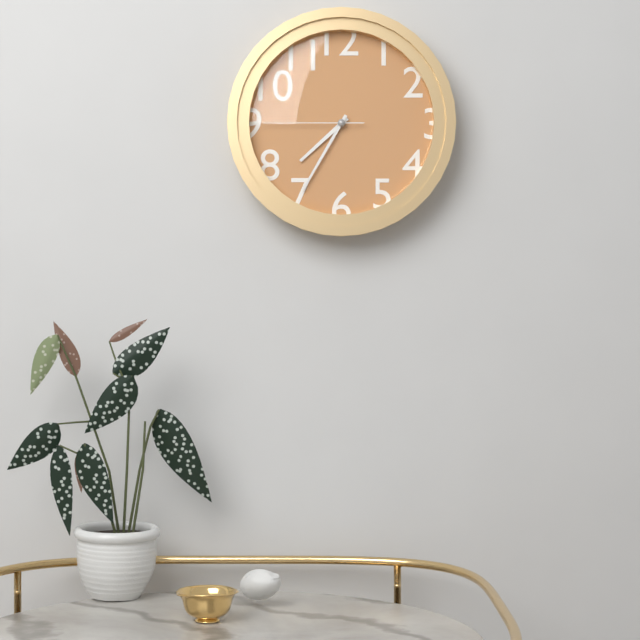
7:35:45
